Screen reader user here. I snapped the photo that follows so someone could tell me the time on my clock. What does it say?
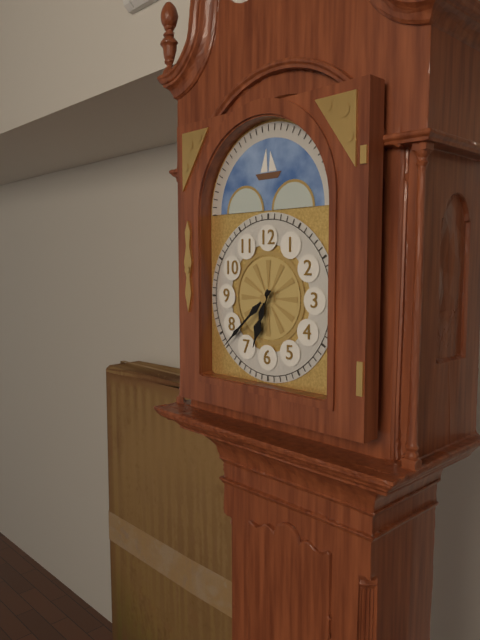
6:38
